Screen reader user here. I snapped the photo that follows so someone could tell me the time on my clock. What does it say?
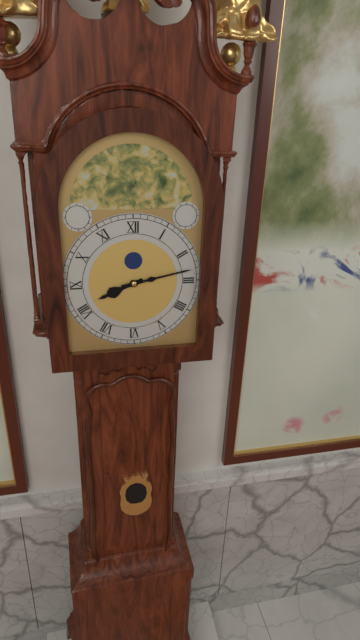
8:13
